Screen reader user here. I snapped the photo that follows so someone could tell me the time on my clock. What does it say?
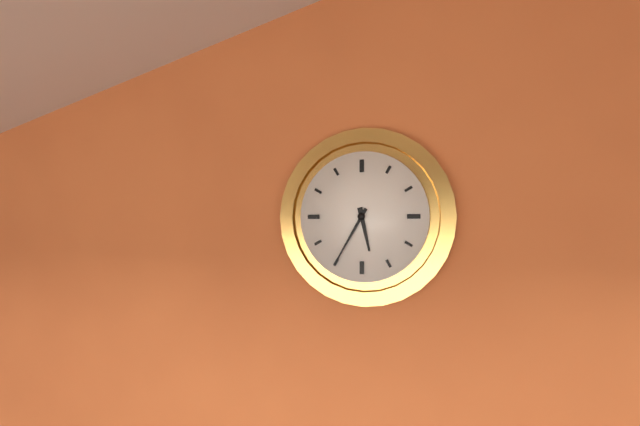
5:35
